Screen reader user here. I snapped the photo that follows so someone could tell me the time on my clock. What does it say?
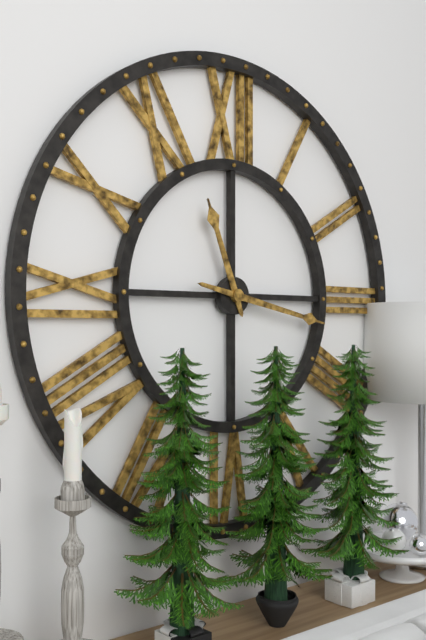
11:17
